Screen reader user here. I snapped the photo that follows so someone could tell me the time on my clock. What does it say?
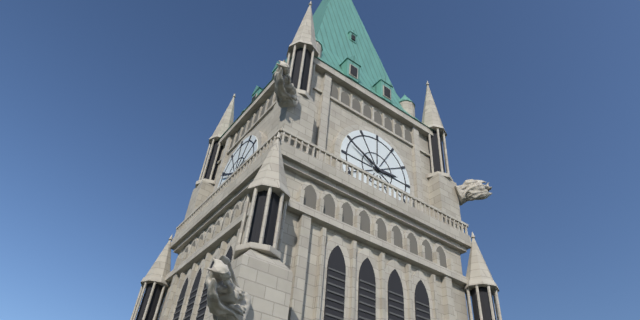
2:49
